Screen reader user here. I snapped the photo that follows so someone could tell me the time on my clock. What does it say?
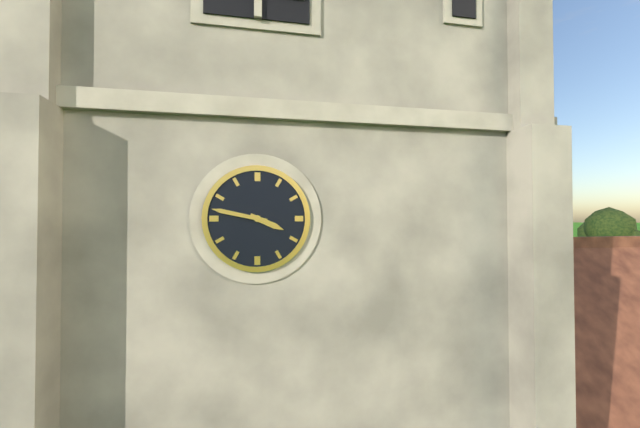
3:47
